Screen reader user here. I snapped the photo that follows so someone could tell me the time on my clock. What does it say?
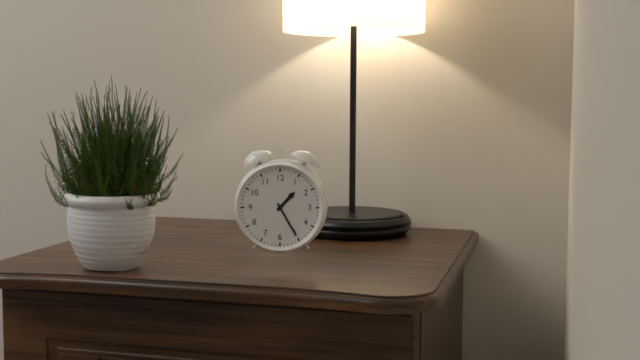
1:25
